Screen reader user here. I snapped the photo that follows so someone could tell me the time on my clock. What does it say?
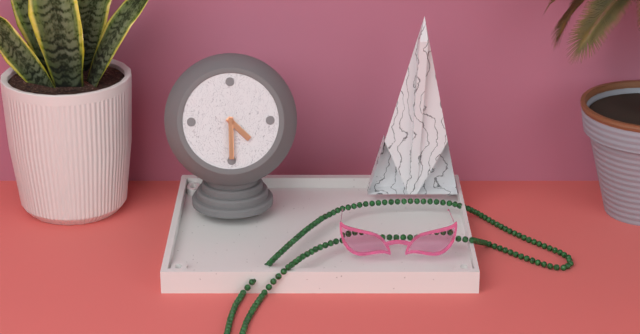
4:30
